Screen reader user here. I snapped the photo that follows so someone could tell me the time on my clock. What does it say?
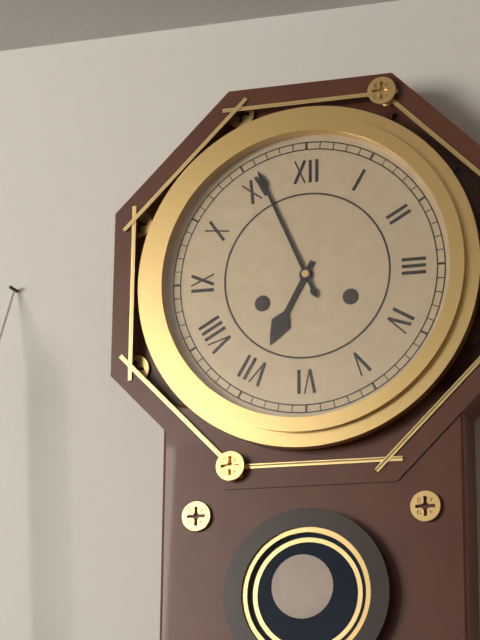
6:56
